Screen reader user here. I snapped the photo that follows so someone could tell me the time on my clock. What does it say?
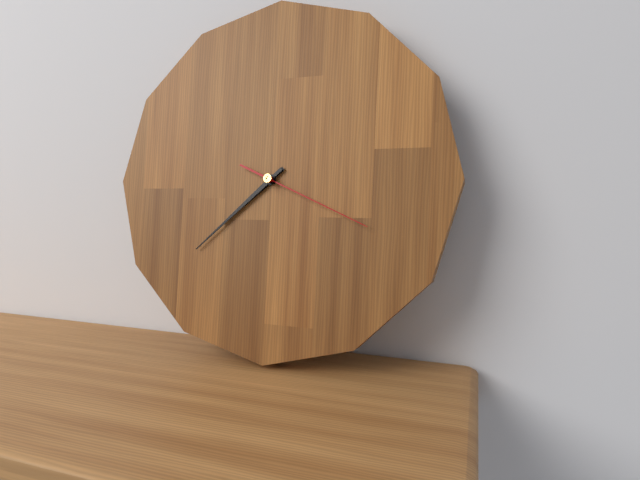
7:38:19
